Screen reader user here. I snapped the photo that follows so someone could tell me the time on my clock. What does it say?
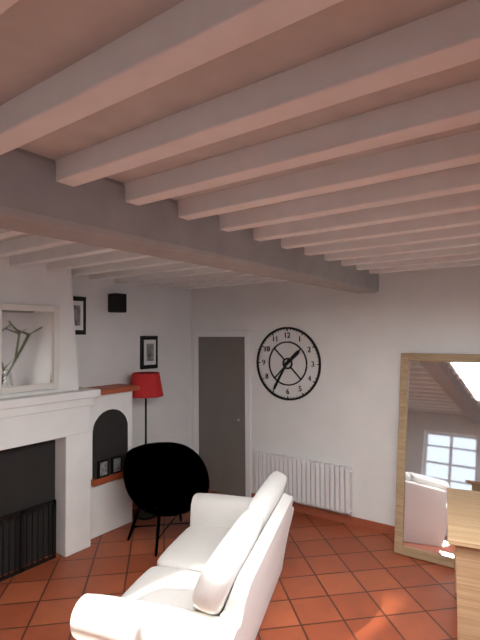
1:35
